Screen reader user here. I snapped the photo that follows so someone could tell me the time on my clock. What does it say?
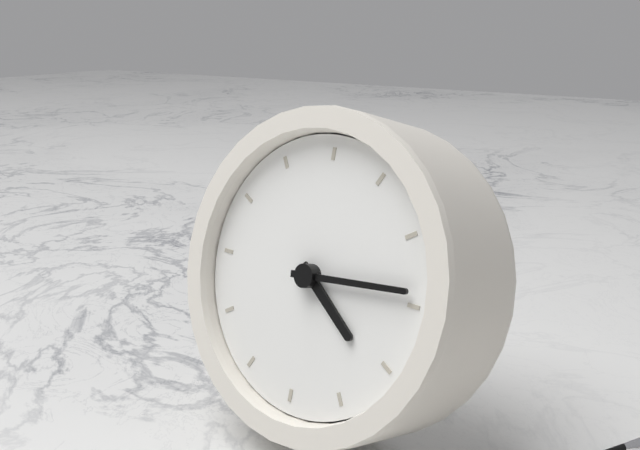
4:14
